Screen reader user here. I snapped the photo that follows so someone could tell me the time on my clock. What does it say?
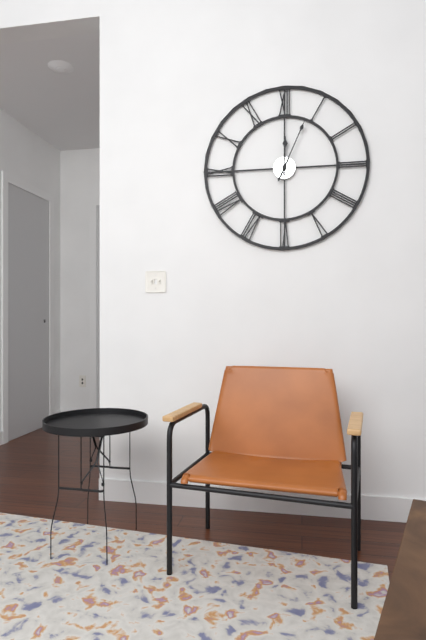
12:04
